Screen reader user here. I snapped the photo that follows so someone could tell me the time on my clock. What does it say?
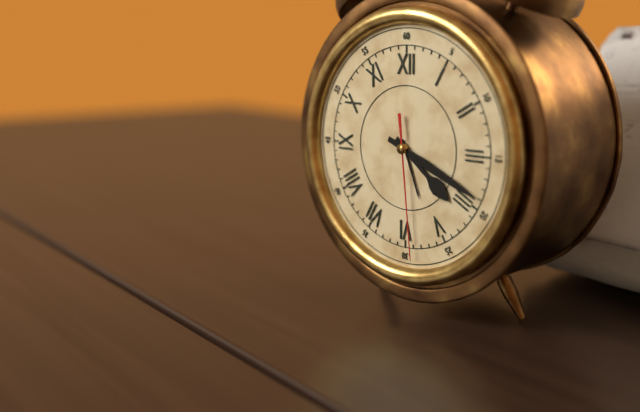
4:19:29
